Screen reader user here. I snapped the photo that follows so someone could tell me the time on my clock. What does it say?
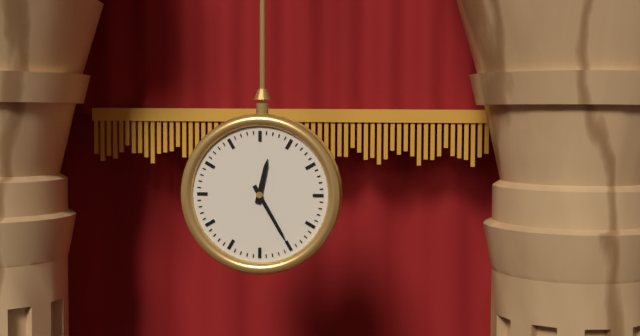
12:25
